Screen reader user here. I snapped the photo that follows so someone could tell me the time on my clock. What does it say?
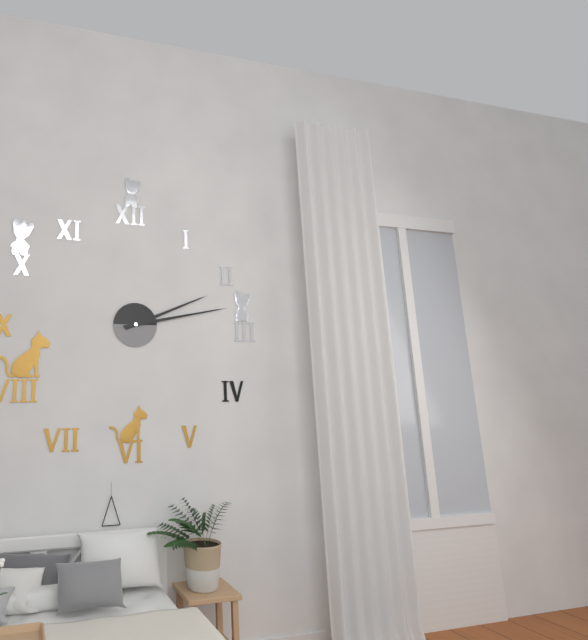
2:13
